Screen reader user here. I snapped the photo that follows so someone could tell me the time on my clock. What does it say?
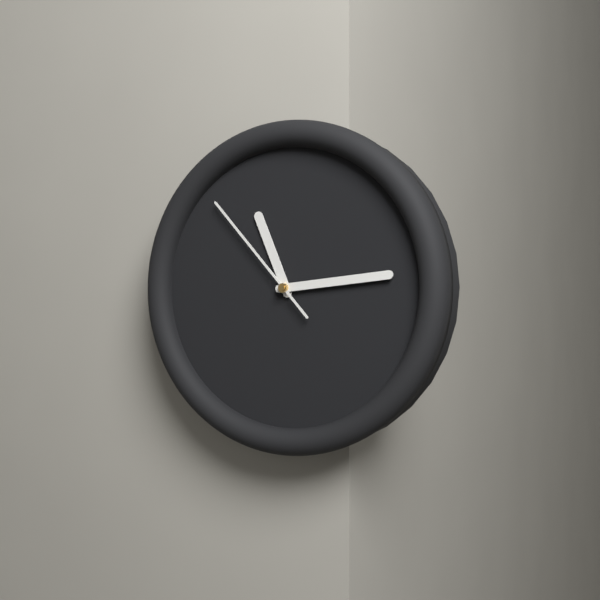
11:14:53
